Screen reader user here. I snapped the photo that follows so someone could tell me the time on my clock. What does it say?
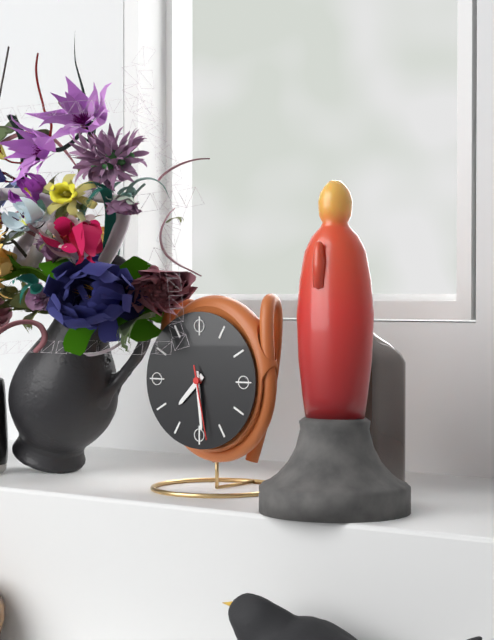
7:29:28
